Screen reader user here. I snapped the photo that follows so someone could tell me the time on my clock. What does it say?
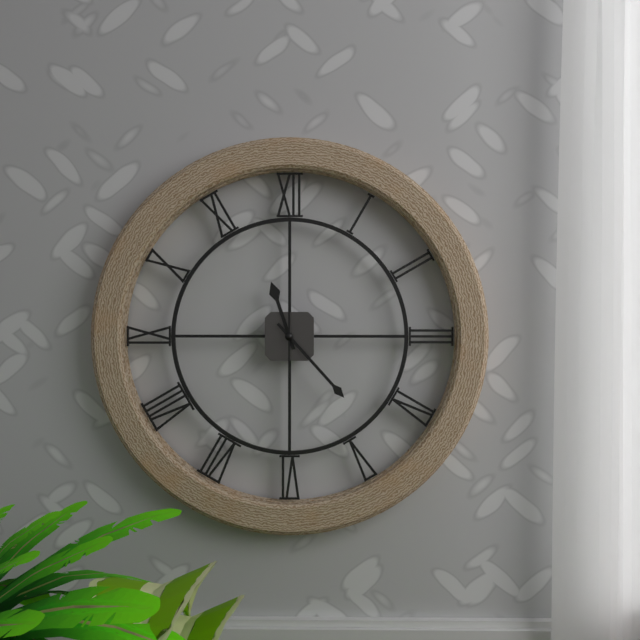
11:23:30
